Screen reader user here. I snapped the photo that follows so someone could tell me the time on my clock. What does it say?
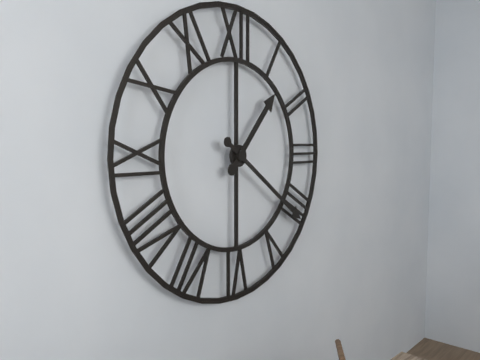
1:21
